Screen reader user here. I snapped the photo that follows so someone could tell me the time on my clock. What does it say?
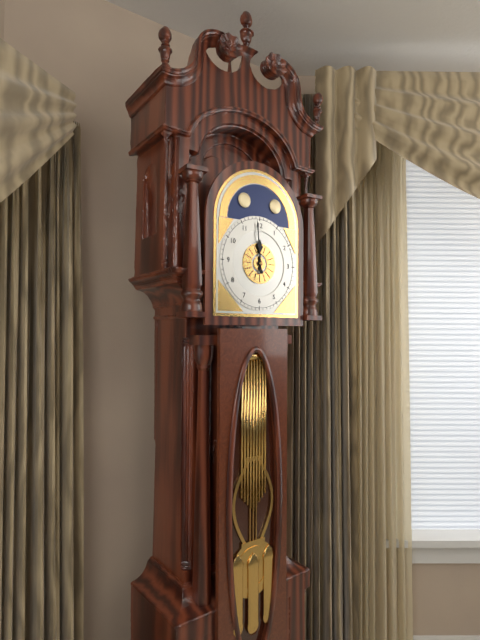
11:59
